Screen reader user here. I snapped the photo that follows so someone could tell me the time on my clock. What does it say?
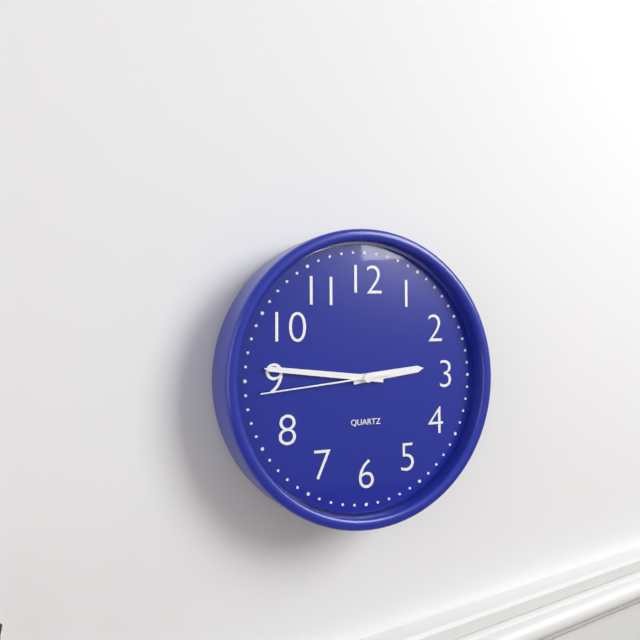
2:46:44
